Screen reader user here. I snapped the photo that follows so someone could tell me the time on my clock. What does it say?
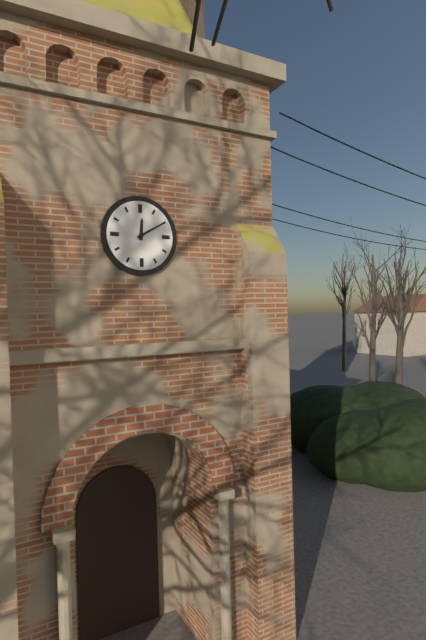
12:10
